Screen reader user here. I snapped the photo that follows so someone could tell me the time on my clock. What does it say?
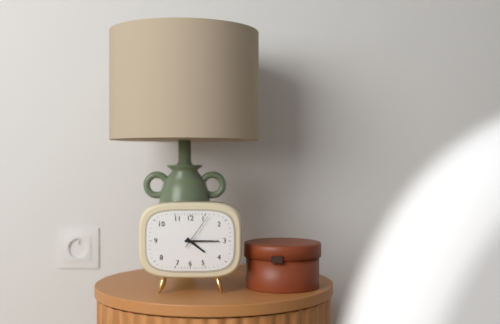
4:15
